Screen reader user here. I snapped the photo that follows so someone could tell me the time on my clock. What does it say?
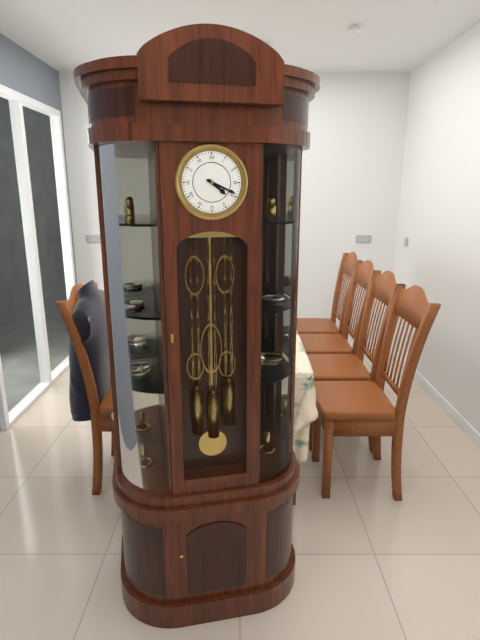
4:19
